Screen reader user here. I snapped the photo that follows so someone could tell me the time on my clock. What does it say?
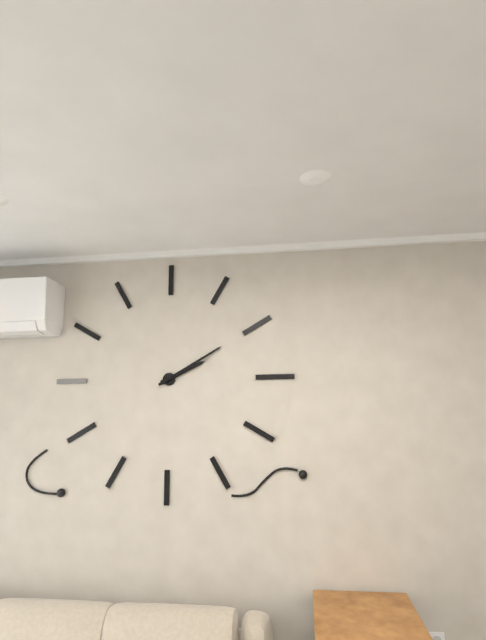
2:10
